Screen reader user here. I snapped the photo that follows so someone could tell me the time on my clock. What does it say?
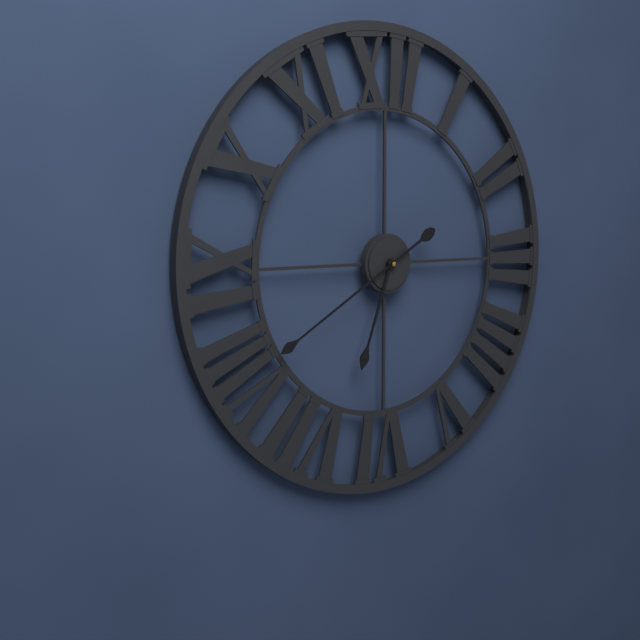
6:40
